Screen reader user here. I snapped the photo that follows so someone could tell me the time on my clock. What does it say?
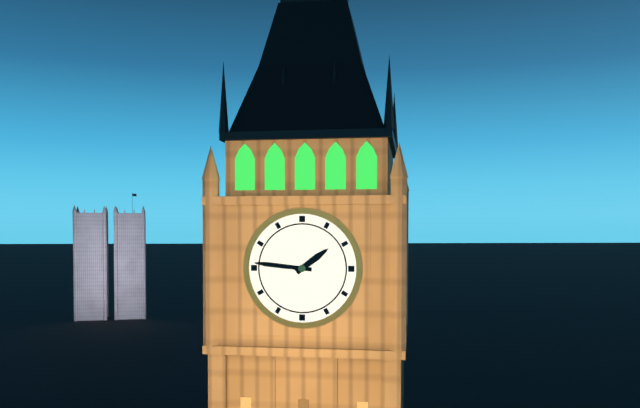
1:46
